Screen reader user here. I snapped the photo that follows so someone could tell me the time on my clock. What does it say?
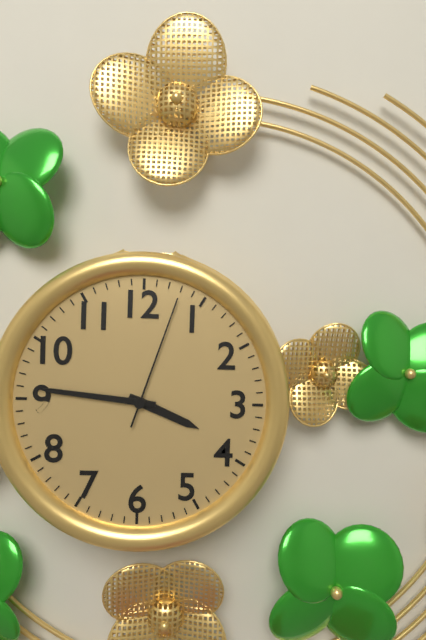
3:46:03
